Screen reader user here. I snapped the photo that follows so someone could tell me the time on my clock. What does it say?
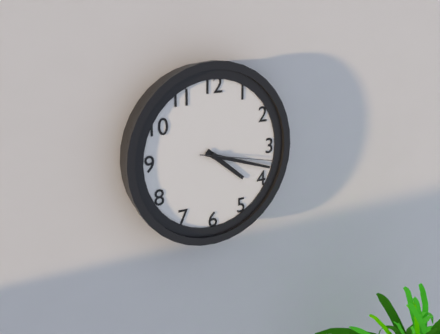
4:18:17
